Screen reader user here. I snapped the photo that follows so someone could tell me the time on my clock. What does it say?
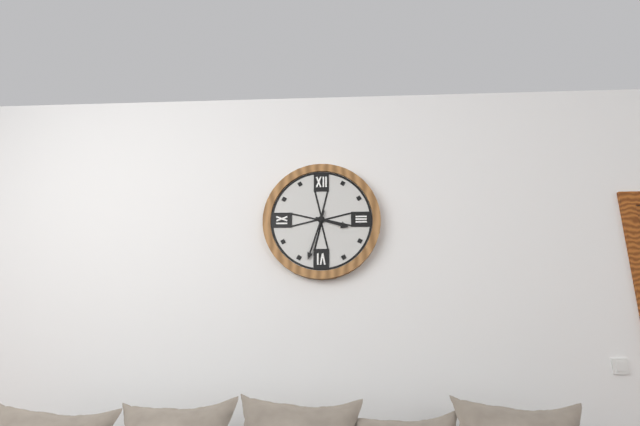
3:33
